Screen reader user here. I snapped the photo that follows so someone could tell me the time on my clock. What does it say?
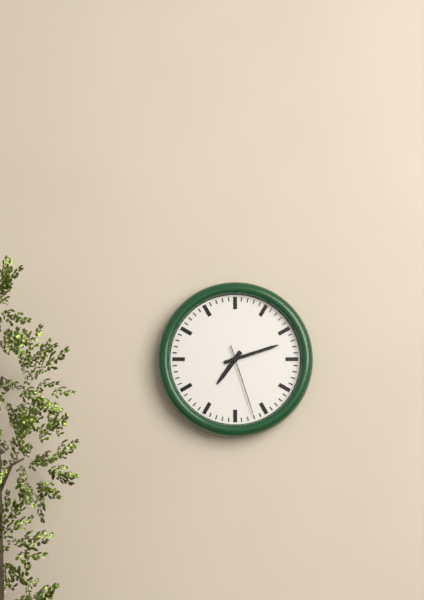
7:12:27
